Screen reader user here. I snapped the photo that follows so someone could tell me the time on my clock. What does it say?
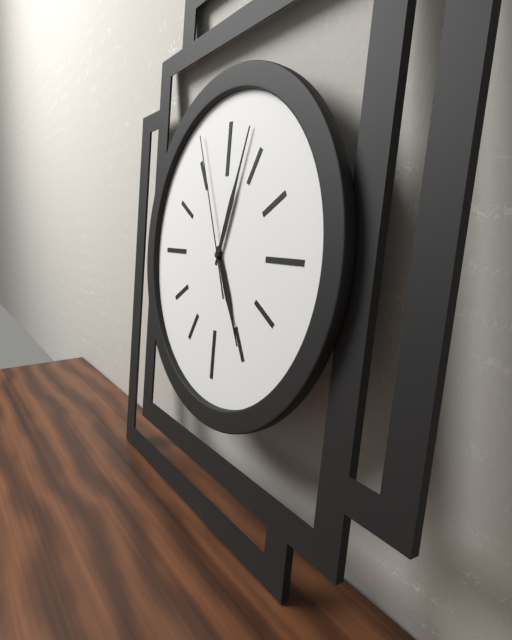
5:03:56
